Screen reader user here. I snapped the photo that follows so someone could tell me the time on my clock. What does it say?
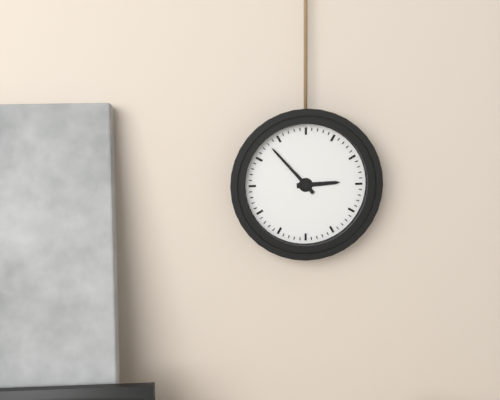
2:53
